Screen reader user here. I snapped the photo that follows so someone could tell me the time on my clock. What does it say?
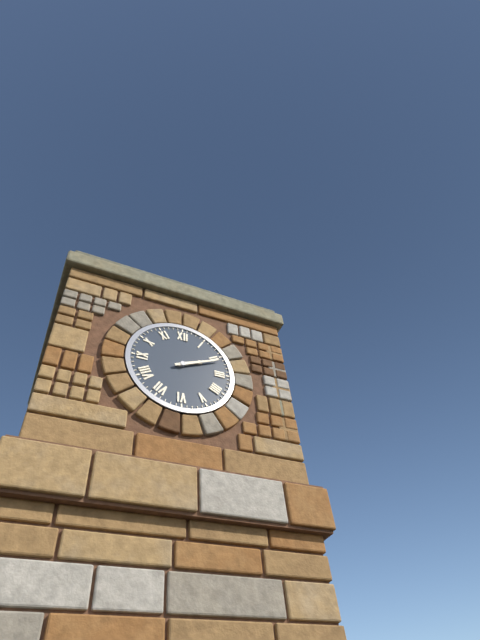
2:11
